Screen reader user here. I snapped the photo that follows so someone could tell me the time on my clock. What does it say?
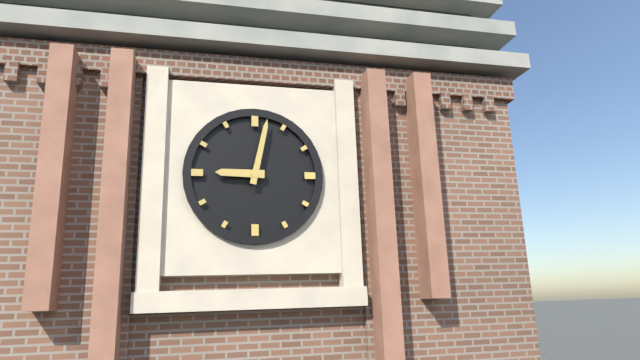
9:02
